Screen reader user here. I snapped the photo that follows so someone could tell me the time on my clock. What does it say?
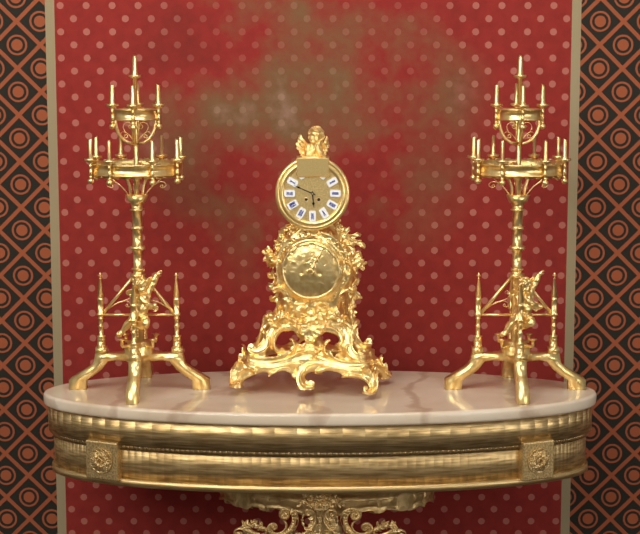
5:49
